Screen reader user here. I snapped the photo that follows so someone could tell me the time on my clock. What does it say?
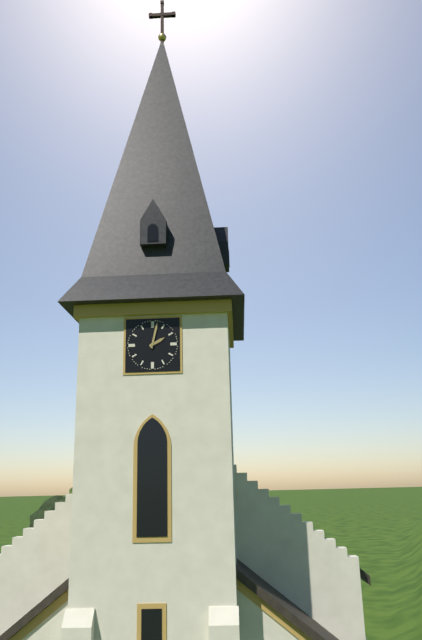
2:02
